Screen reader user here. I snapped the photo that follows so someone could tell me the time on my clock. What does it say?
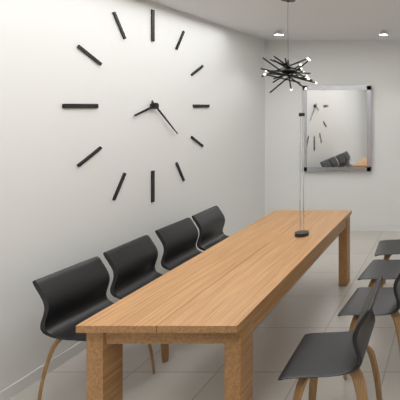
8:22
